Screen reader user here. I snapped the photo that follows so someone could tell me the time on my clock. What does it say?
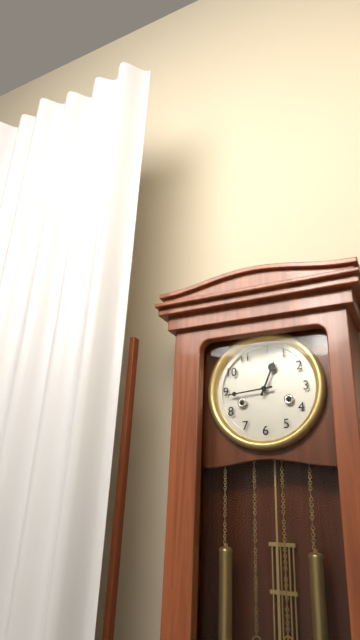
12:44
